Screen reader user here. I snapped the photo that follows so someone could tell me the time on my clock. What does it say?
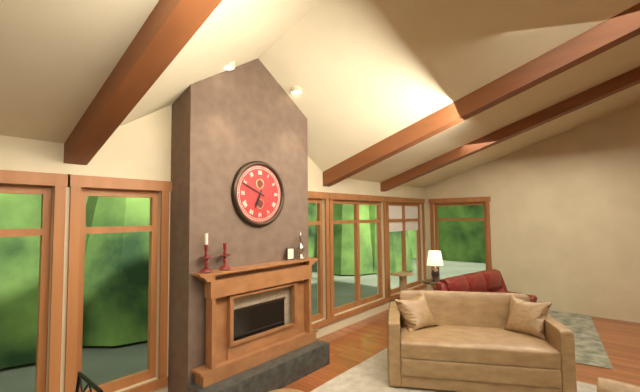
6:49
